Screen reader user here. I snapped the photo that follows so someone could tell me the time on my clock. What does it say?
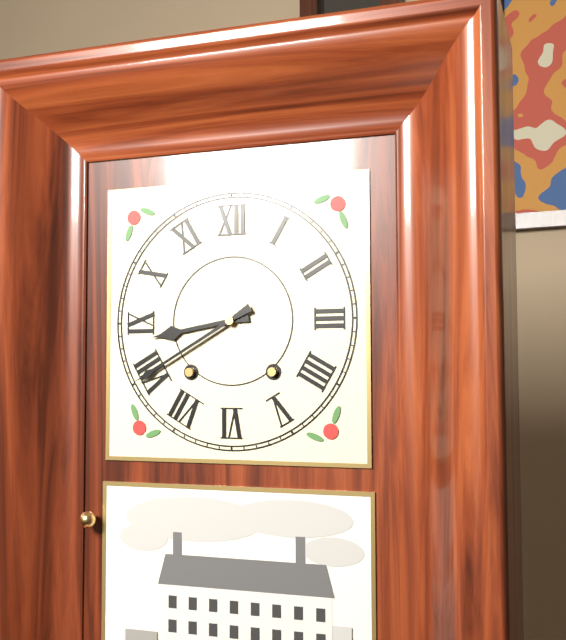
8:40
